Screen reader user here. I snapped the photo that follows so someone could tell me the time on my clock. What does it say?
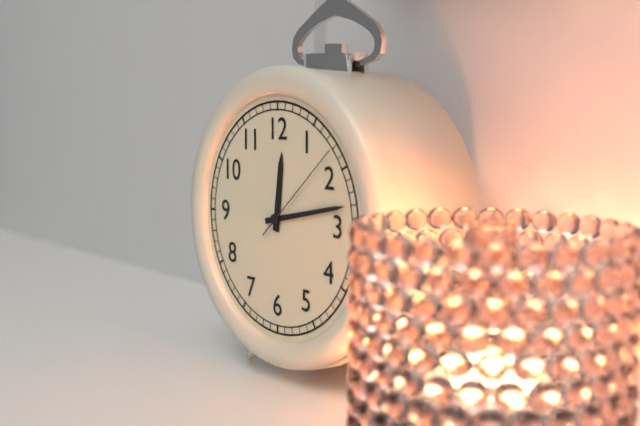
12:13:08
